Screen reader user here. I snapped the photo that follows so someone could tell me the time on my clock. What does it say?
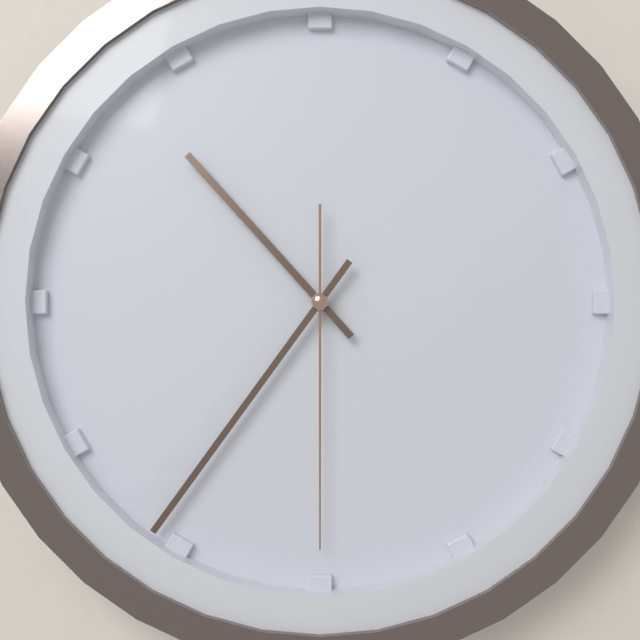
10:36:30
